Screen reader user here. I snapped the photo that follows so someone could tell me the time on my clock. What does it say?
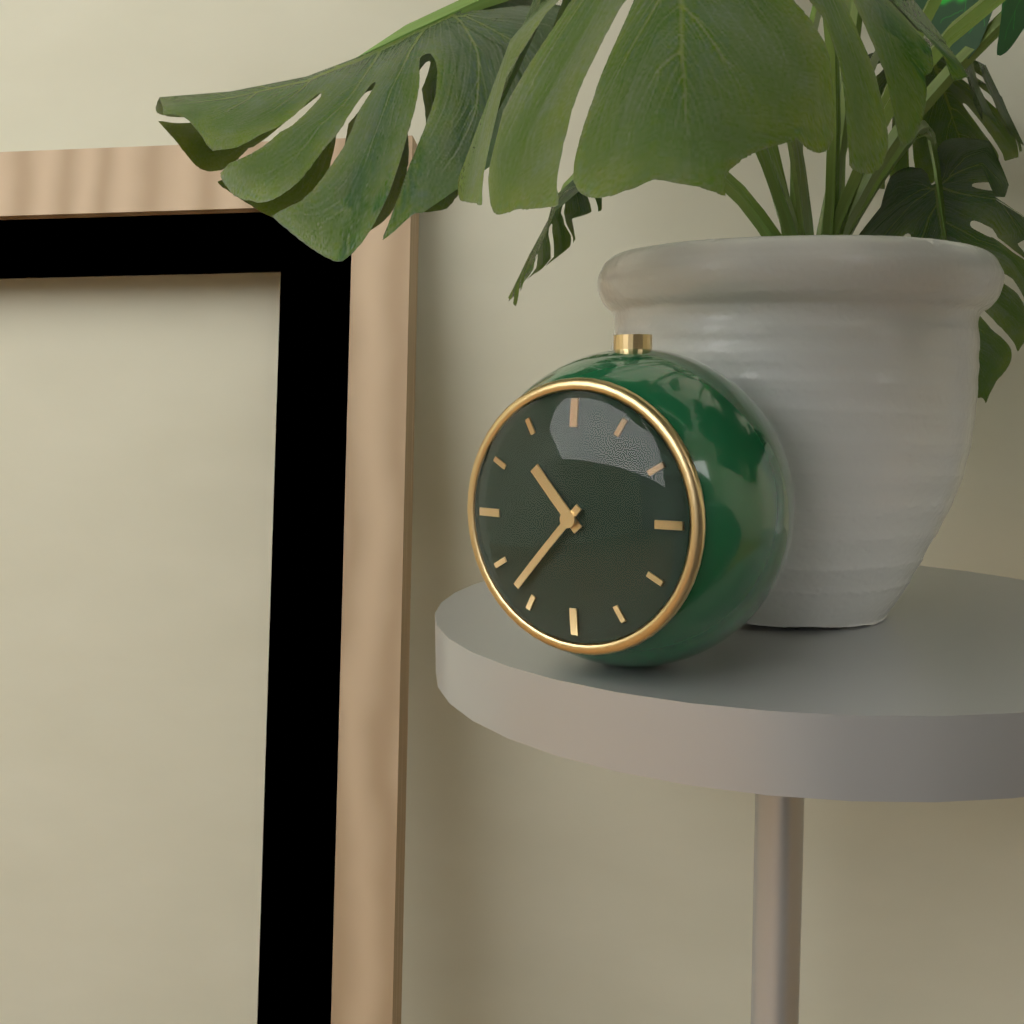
10:37
